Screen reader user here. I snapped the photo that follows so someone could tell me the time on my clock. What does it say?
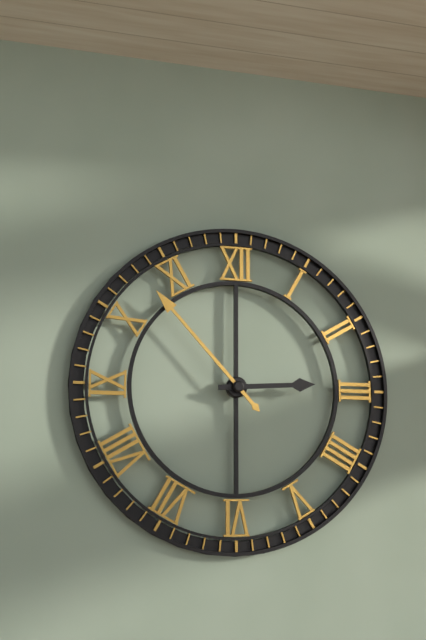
2:53
